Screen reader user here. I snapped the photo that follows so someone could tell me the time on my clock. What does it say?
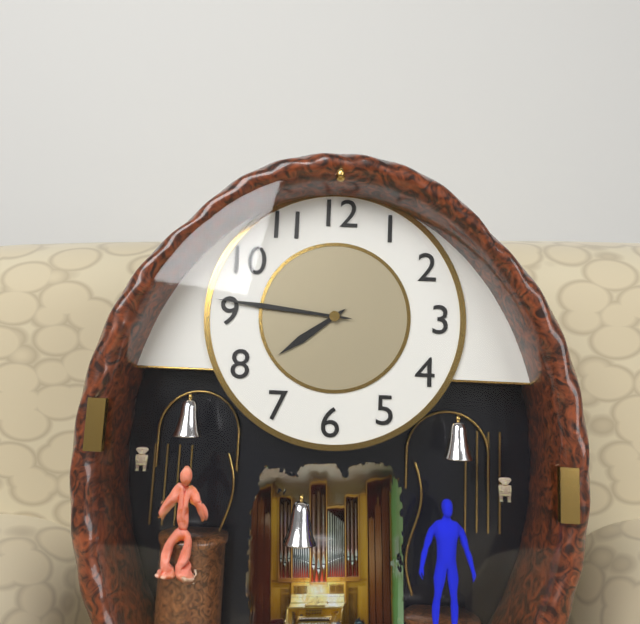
7:46
